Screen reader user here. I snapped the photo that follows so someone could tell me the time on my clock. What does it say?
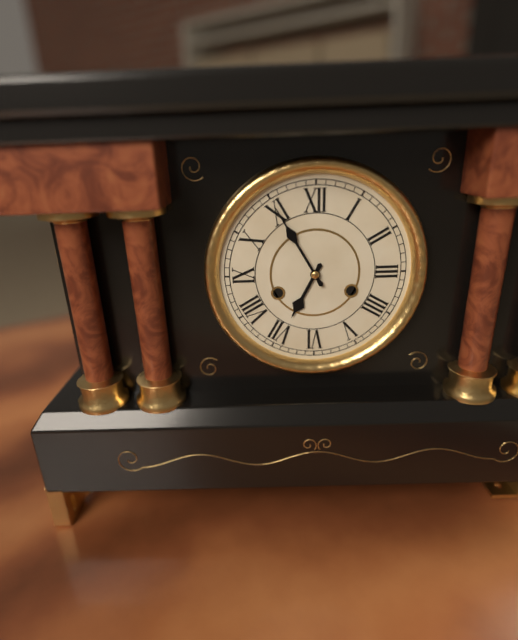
6:55
